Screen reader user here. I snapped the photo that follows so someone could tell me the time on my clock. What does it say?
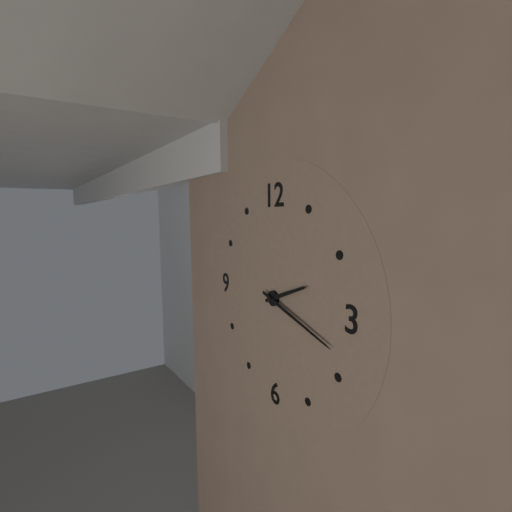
2:18
